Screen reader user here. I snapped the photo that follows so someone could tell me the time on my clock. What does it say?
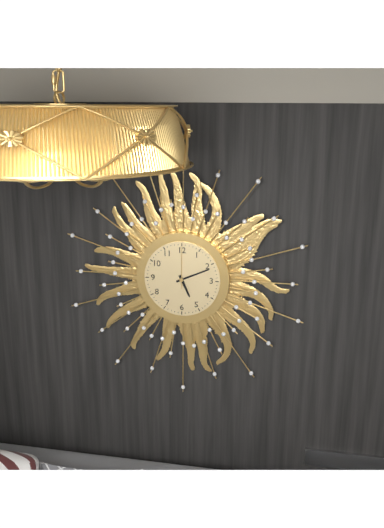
5:11
